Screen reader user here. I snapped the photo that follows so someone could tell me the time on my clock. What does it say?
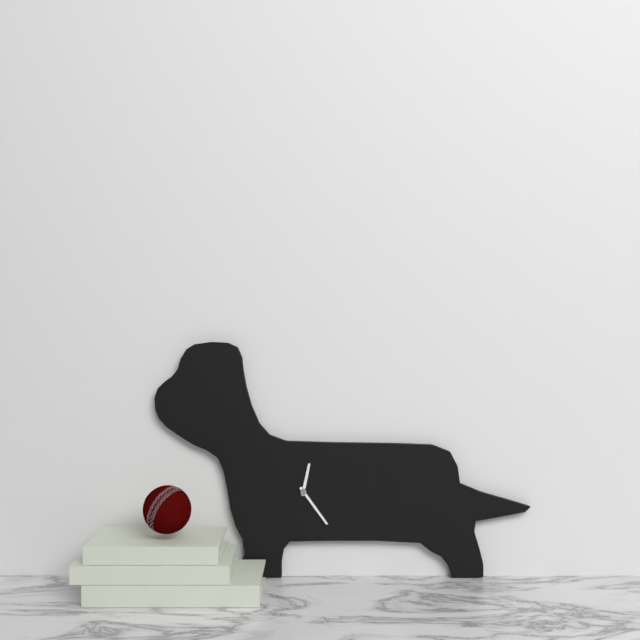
12:24
